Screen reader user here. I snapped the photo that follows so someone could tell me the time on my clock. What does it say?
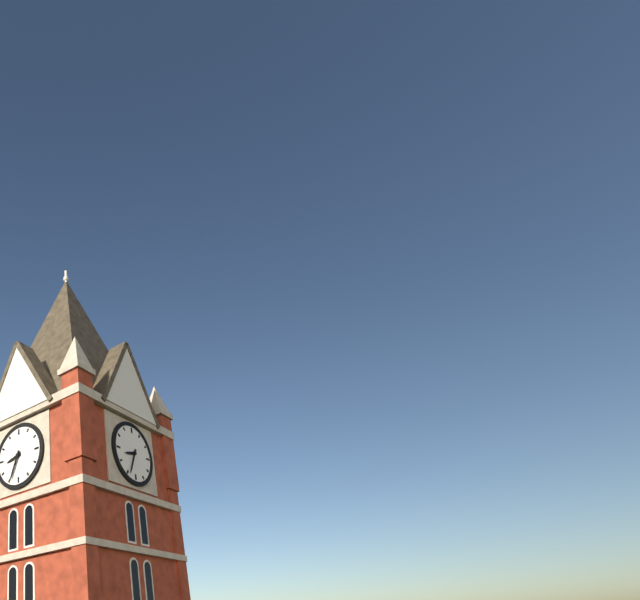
8:34
